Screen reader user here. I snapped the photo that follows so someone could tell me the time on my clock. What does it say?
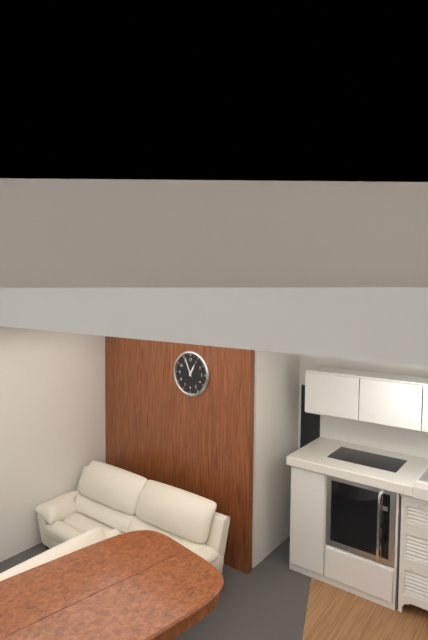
12:56
